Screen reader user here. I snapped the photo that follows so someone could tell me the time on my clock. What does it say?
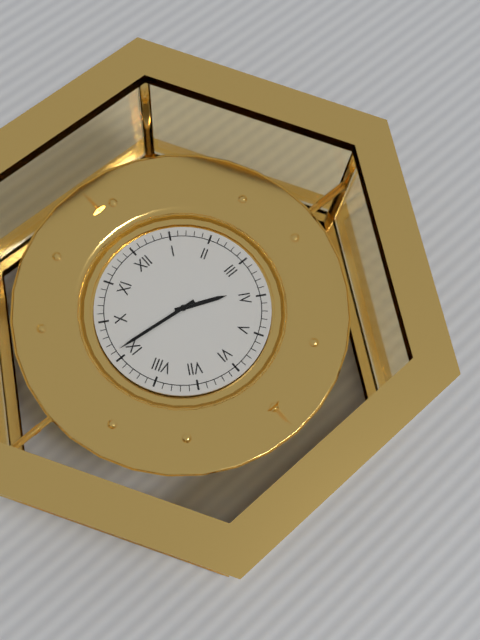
3:46
